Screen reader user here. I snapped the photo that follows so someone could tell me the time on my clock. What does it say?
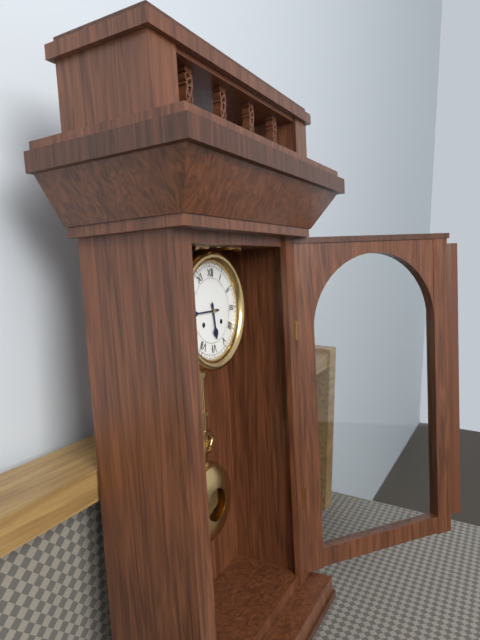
5:45
